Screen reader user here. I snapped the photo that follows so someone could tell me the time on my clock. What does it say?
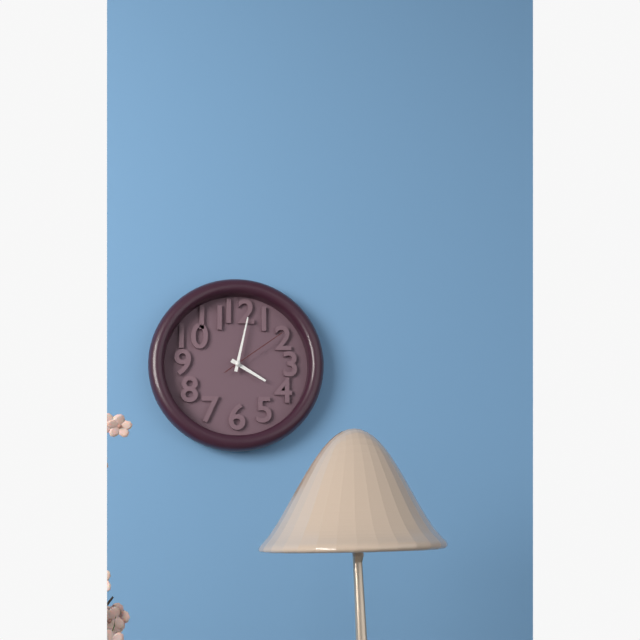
4:02:09
